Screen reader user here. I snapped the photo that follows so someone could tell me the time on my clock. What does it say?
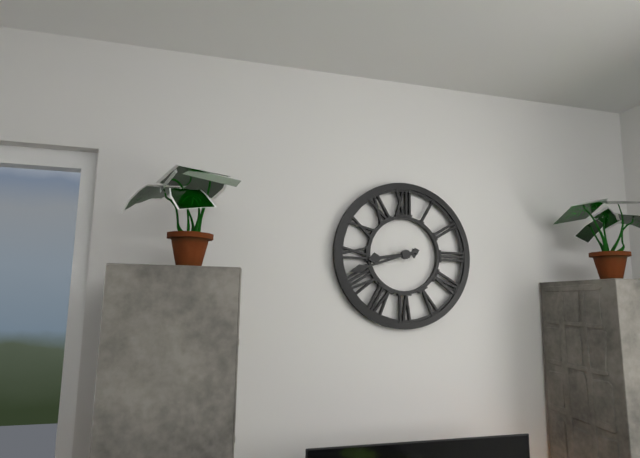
8:42
